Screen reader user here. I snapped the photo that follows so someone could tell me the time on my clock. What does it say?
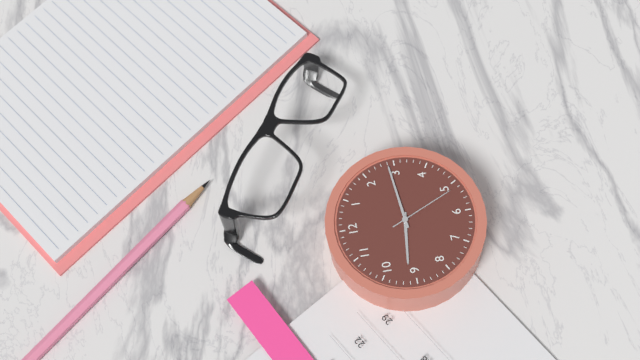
9:14:26
